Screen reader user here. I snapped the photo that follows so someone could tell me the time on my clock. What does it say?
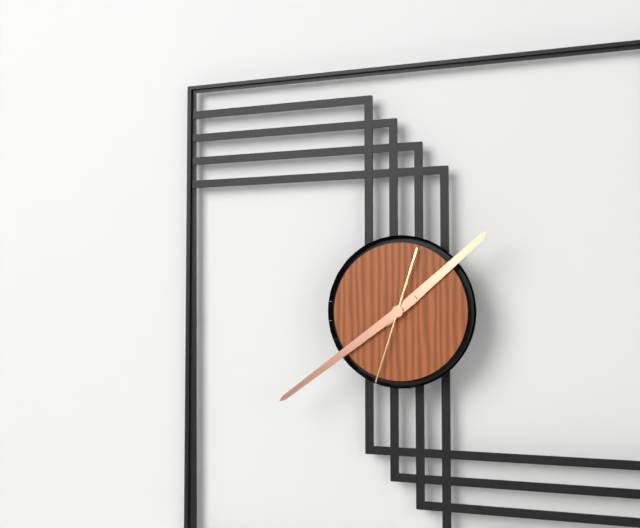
1:39:33
